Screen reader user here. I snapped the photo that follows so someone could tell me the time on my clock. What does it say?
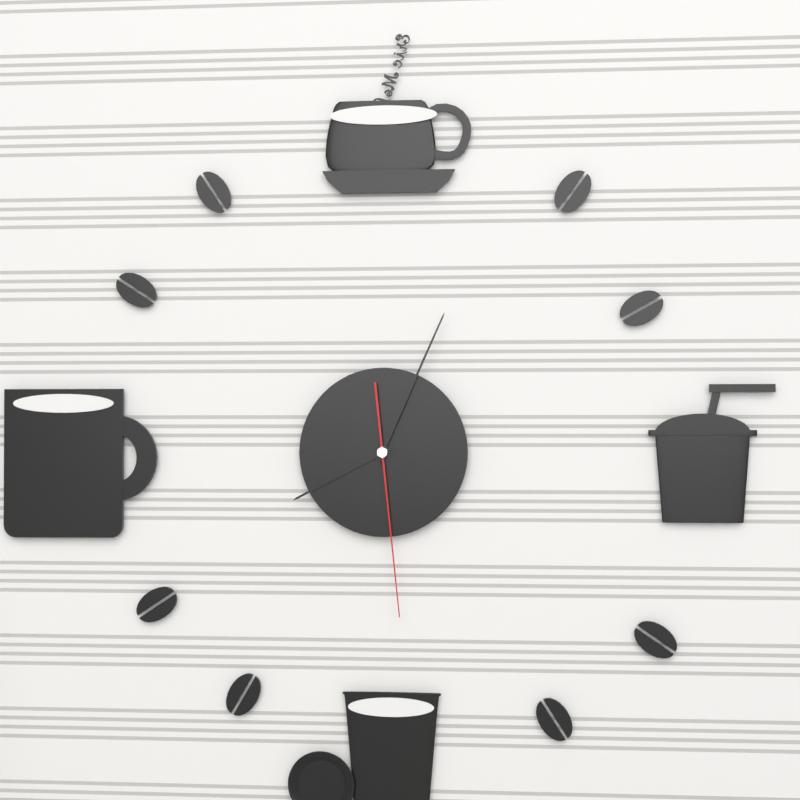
8:04:29
